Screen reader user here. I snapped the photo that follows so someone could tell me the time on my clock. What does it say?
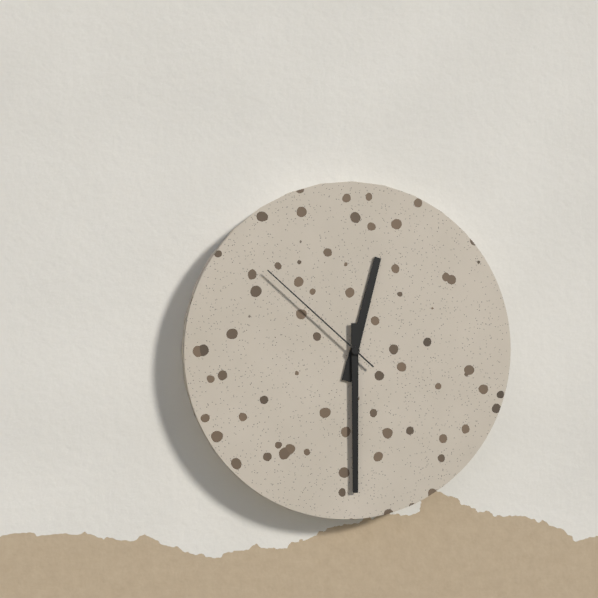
12:30:52
